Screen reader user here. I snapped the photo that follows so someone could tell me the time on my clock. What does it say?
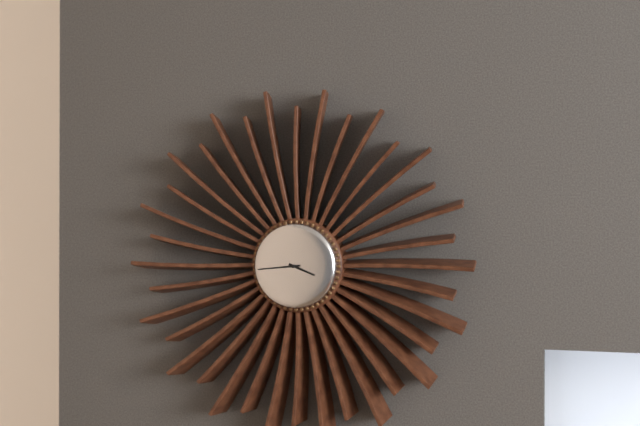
3:44
